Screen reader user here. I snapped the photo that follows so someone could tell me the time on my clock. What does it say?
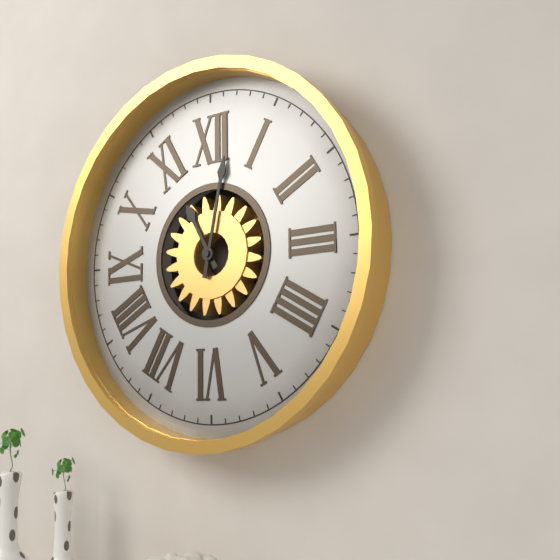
11:02
